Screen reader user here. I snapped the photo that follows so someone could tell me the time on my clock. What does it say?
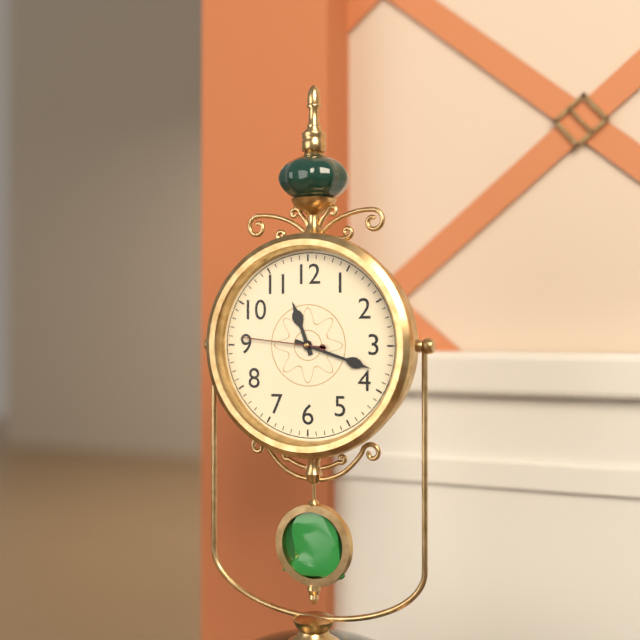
11:18:46
